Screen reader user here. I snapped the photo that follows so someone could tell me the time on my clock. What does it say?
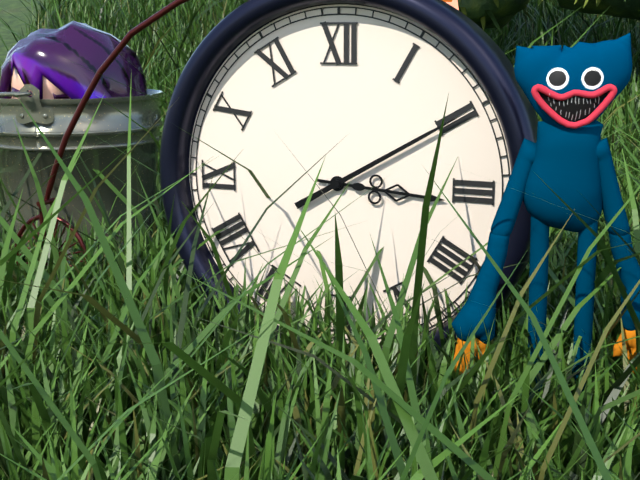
3:10
